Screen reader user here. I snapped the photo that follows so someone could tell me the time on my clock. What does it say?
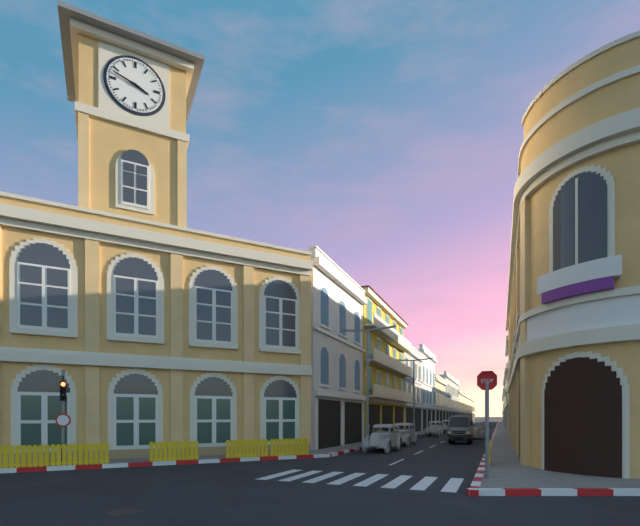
3:48
